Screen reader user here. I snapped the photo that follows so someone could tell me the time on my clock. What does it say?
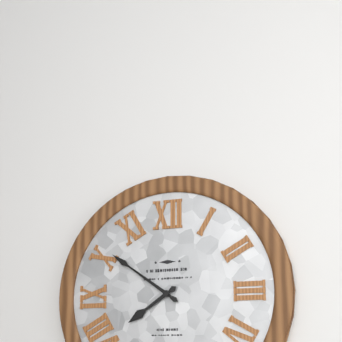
7:51
